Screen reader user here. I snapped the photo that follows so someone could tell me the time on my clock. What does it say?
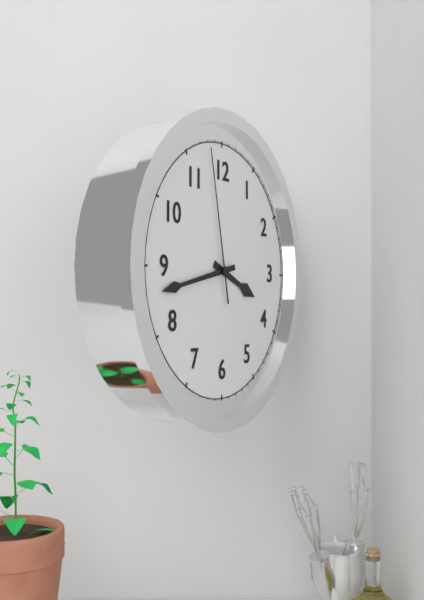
3:43:58
